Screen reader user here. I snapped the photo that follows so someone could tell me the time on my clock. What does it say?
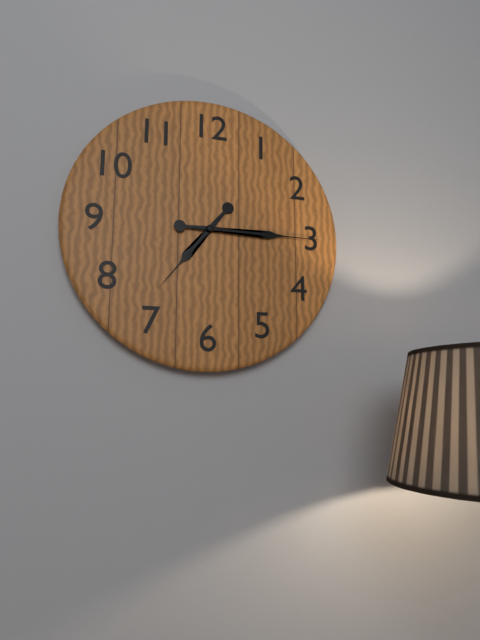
7:15
